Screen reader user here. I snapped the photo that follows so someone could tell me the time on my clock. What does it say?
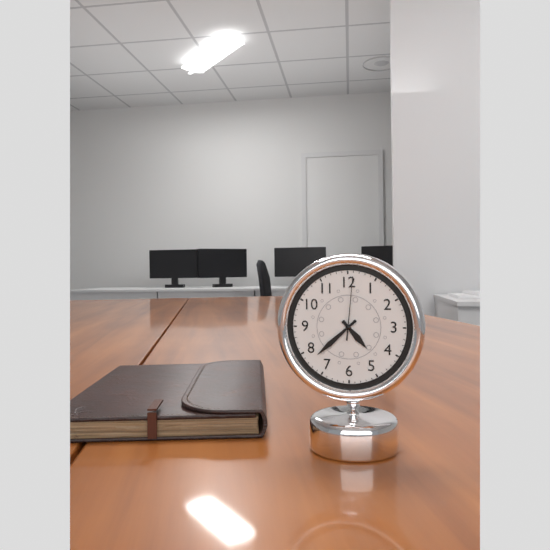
4:38:01
